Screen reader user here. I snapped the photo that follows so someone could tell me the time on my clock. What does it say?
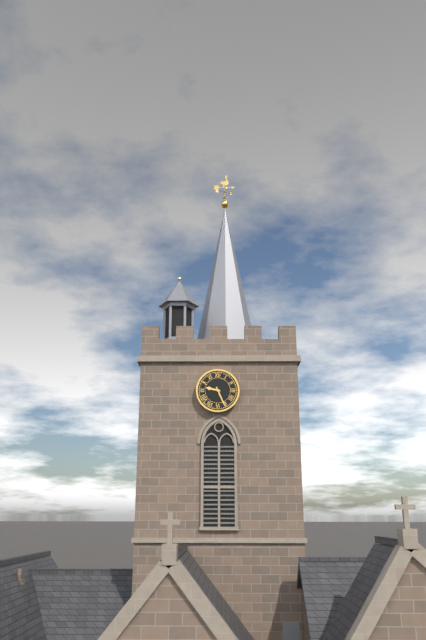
9:26
